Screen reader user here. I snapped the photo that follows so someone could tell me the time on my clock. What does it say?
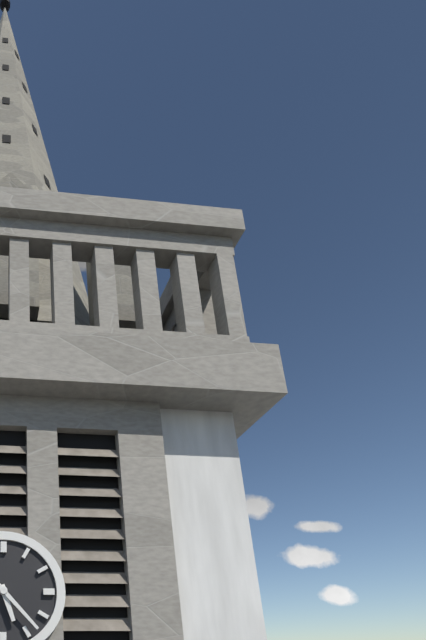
5:23
